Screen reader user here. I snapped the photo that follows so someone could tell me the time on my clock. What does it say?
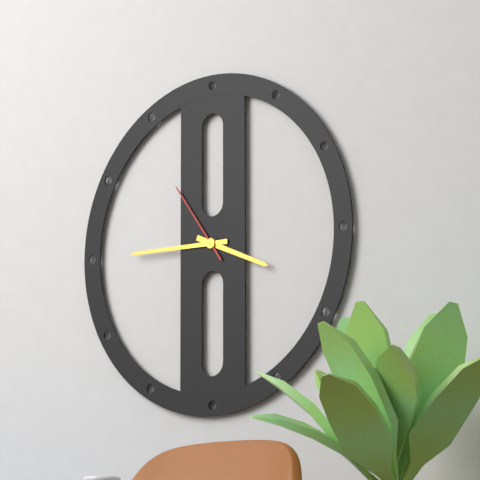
3:45:54
